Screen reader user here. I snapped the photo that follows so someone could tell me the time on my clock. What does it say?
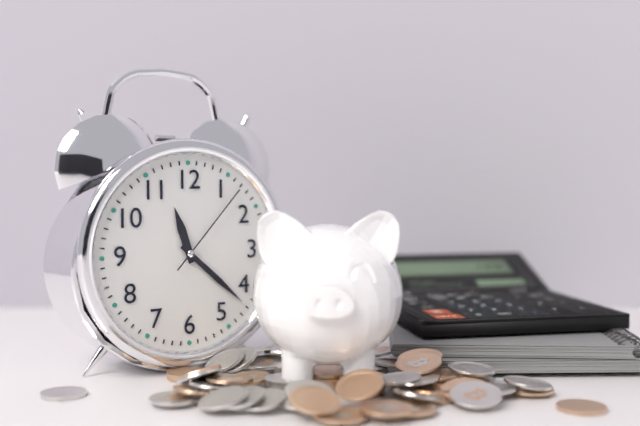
11:22:07
